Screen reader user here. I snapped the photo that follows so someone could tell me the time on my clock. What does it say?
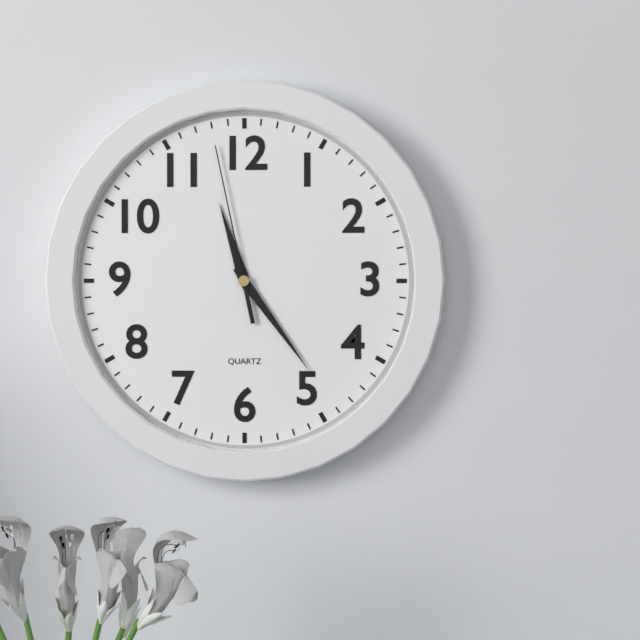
11:24:58
